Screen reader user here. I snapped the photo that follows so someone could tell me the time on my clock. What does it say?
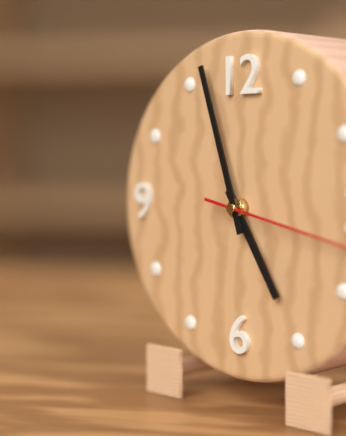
4:57
